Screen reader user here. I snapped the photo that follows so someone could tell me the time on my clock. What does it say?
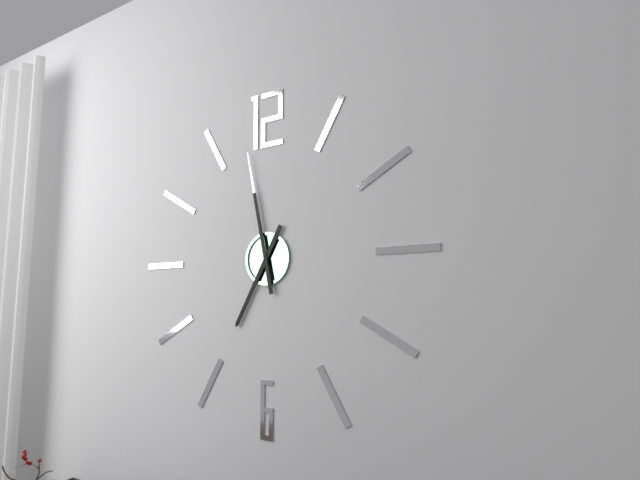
6:58
